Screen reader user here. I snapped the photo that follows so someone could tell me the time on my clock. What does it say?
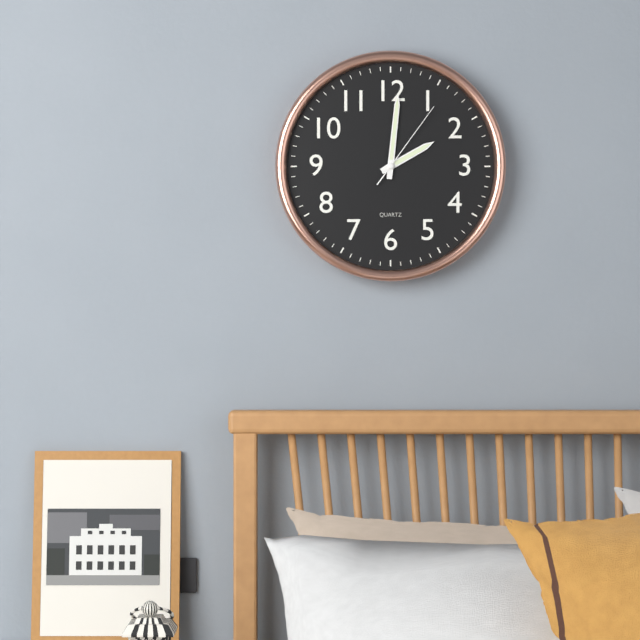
2:01:06
